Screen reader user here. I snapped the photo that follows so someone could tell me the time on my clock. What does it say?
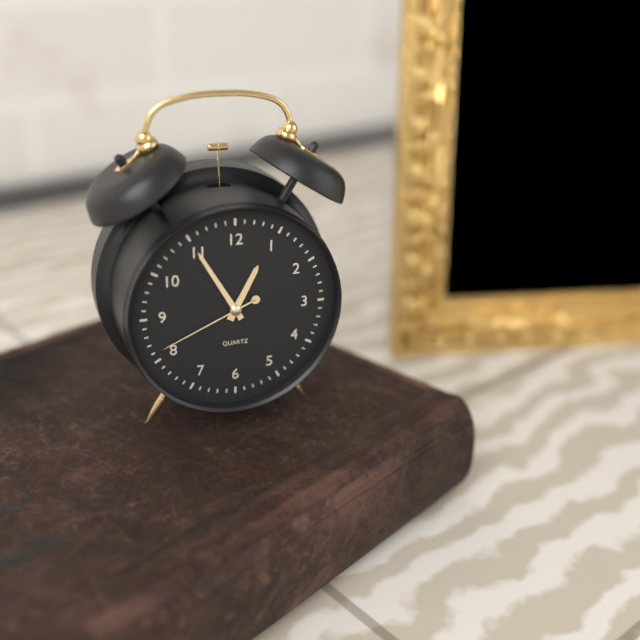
12:55:41
